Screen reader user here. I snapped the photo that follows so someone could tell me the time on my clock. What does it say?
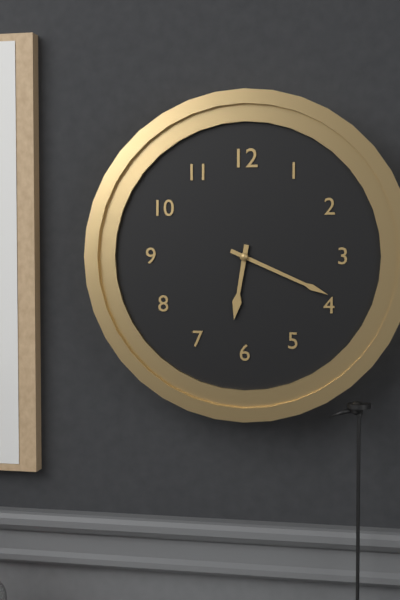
6:19
